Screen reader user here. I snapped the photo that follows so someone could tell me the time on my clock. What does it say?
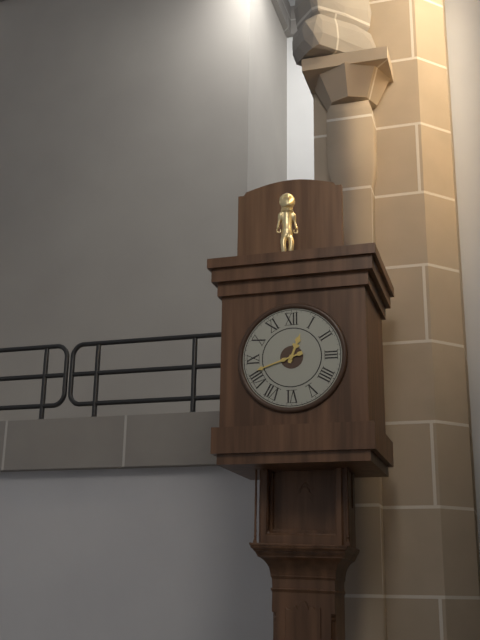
12:42
